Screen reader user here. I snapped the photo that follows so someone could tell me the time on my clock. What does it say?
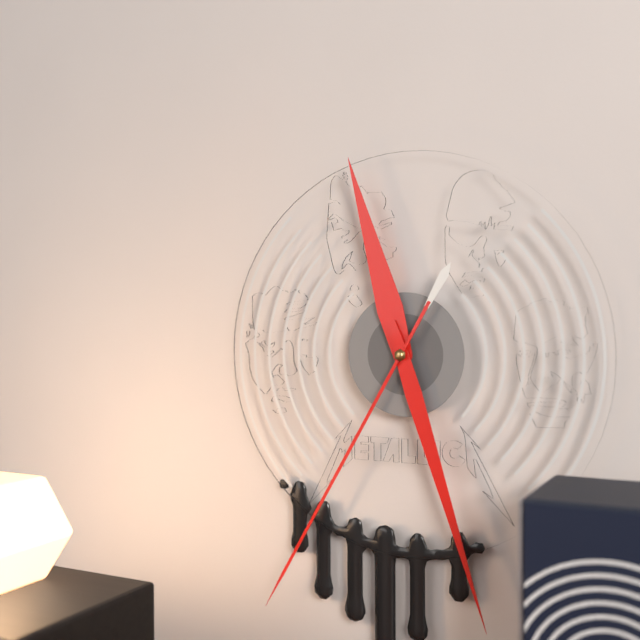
11:27:35
